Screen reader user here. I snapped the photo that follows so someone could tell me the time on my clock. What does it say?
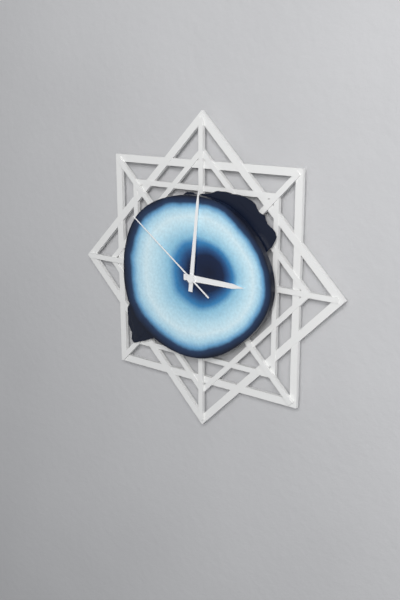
3:01:51
